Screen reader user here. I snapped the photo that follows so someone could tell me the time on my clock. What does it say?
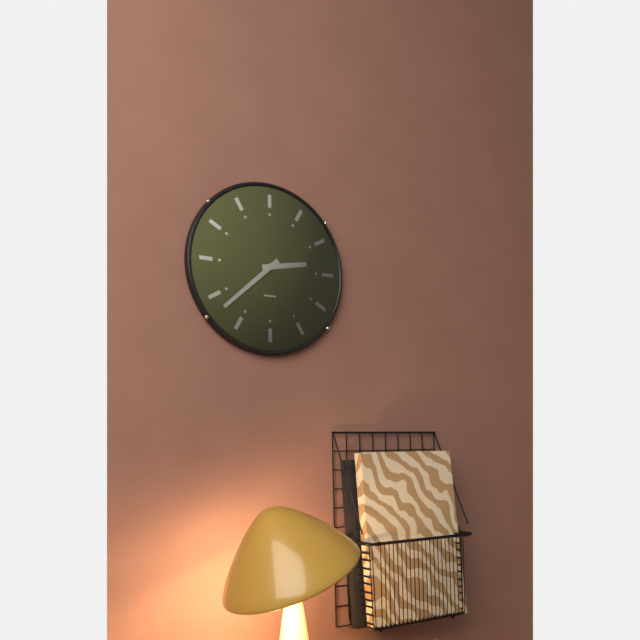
2:38
